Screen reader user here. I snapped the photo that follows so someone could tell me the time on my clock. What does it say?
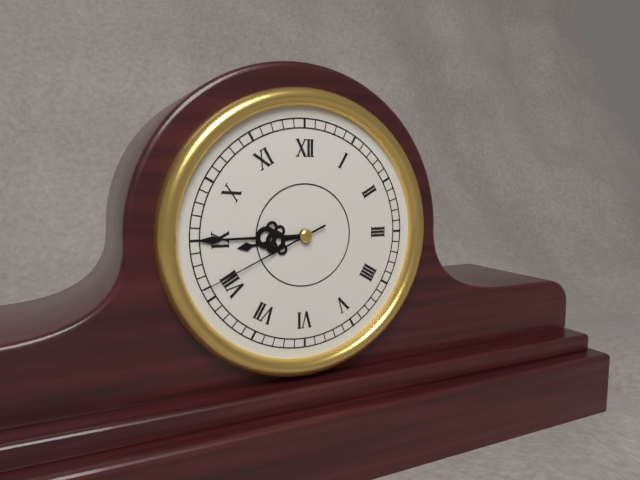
8:45:41
